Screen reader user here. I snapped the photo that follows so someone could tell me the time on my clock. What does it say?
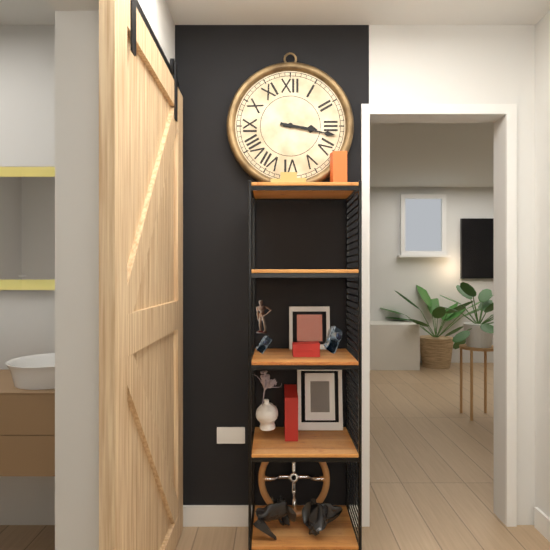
3:17
